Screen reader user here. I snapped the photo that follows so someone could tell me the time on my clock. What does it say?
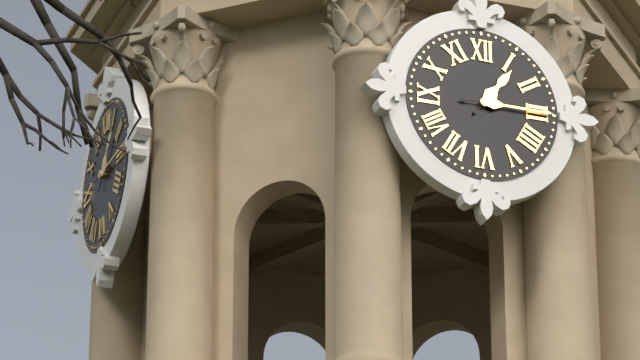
1:15
